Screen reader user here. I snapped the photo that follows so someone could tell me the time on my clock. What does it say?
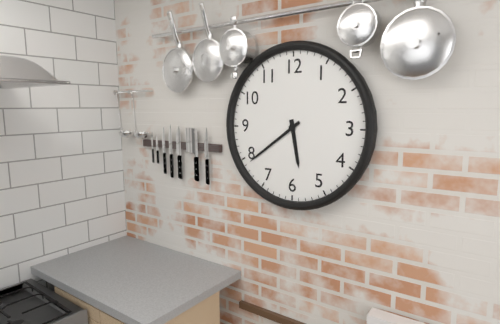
5:39
